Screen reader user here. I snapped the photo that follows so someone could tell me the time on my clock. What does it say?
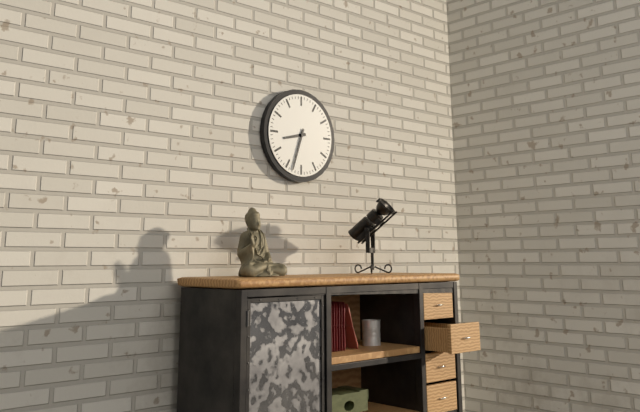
8:33
